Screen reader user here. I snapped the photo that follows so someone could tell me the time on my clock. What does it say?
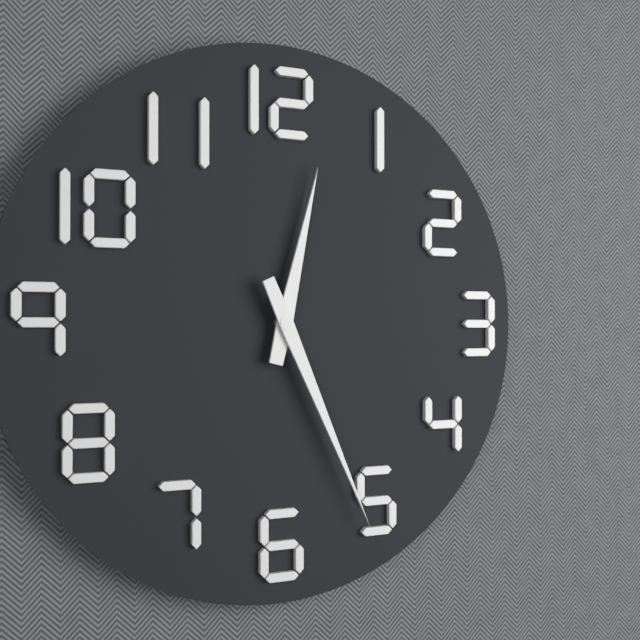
12:26
